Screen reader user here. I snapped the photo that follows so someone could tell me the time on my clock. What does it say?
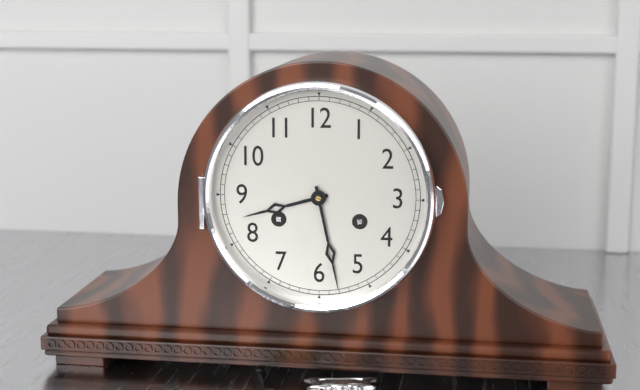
8:28
